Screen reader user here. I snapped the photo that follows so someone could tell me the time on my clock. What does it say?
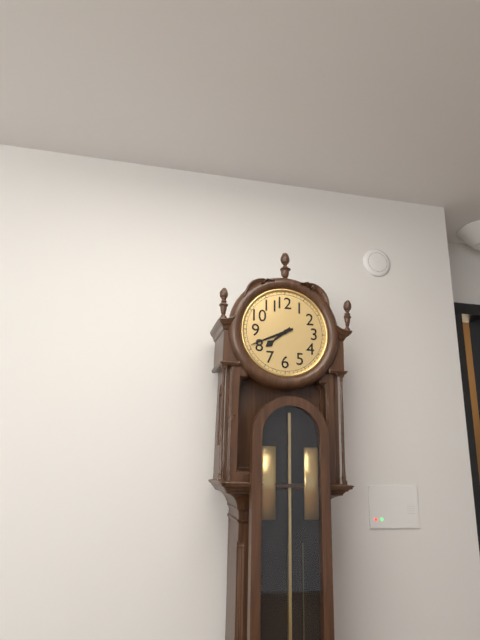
7:41
